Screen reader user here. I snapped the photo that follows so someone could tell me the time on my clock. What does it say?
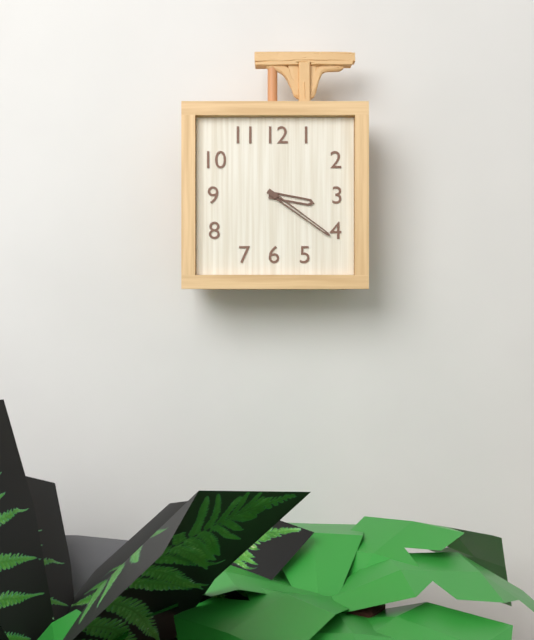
3:21
